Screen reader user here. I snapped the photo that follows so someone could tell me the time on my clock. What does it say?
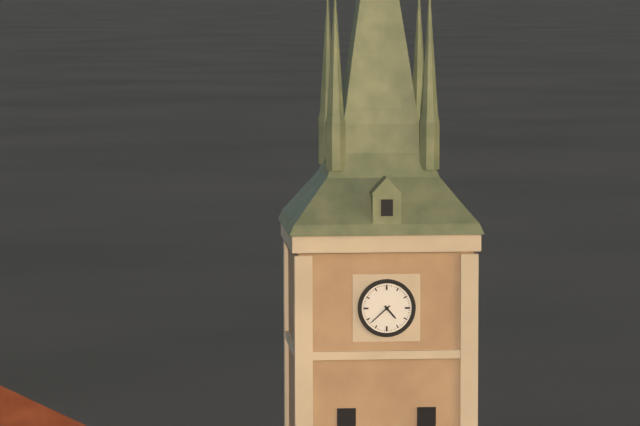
4:38
